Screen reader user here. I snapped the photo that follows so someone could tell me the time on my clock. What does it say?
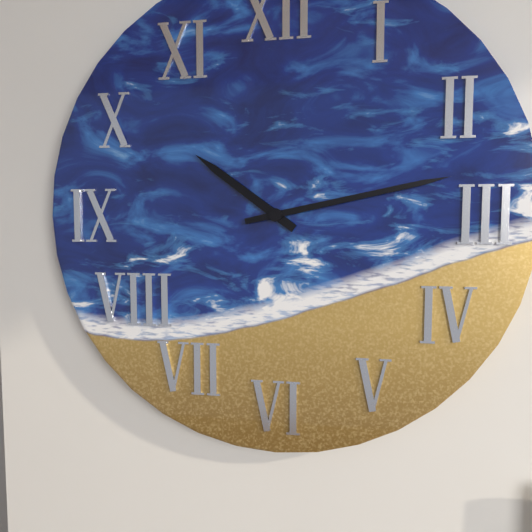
10:13
